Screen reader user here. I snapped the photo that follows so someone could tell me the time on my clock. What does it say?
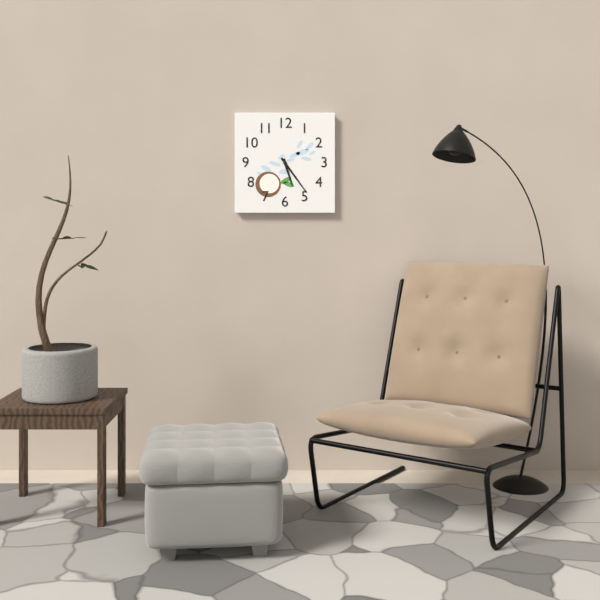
5:24
